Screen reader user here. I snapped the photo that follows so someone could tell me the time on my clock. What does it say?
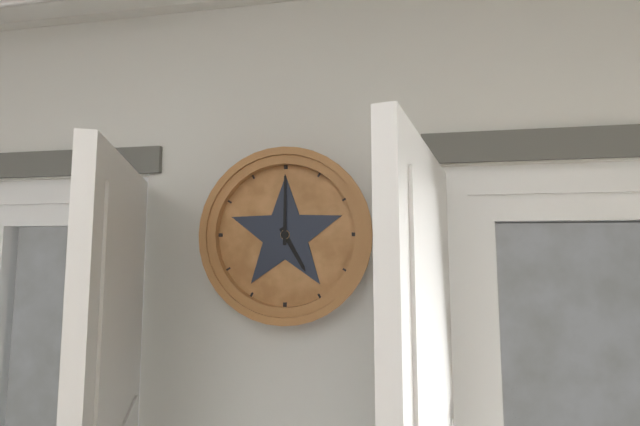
5:00
